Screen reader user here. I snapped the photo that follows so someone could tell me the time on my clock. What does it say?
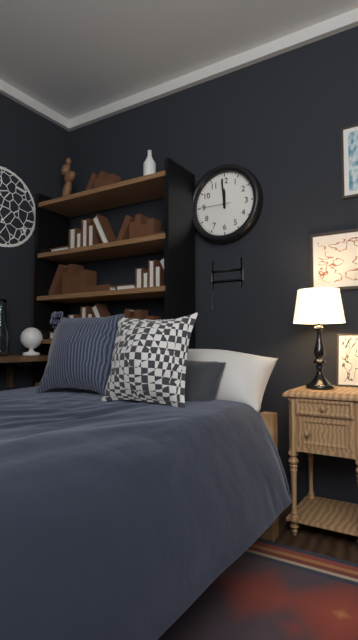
11:59
